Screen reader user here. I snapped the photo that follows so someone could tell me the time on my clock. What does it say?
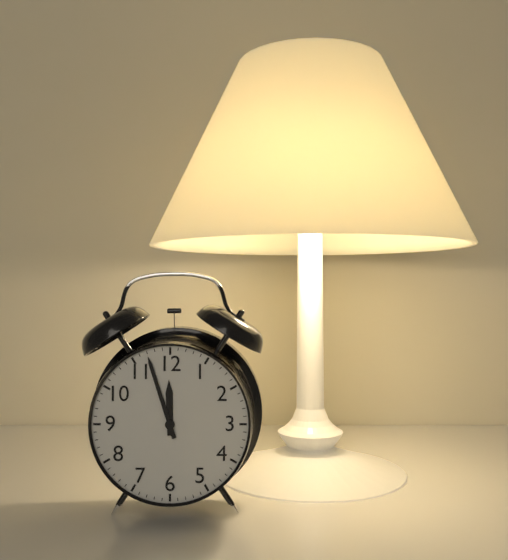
11:57
